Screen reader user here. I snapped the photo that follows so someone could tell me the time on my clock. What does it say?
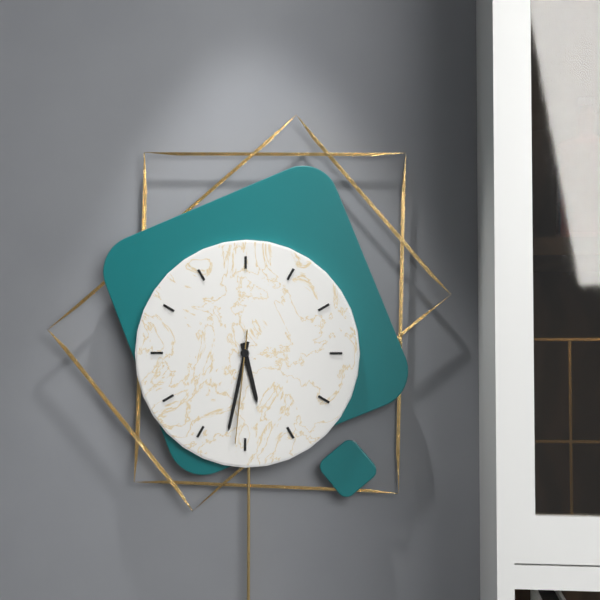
5:32:31
